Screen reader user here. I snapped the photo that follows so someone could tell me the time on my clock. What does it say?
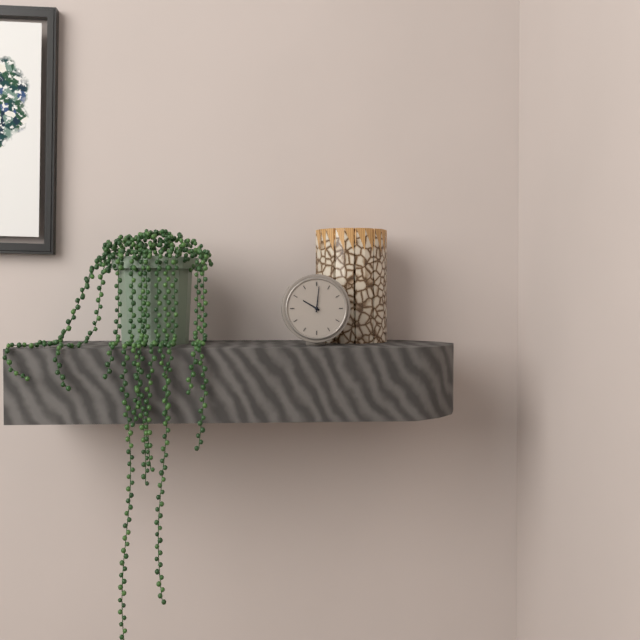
10:01
